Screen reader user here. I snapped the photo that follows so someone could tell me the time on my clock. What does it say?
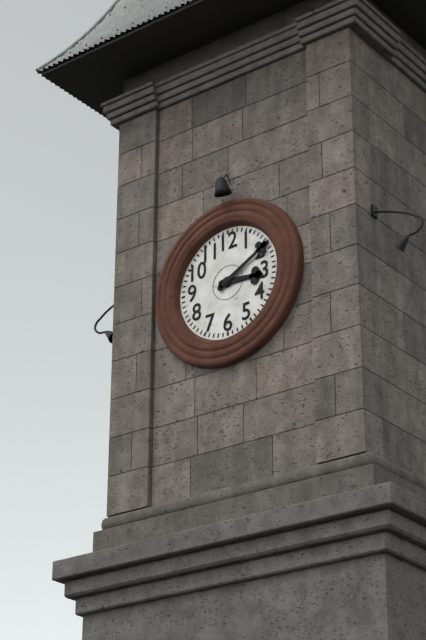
3:10
